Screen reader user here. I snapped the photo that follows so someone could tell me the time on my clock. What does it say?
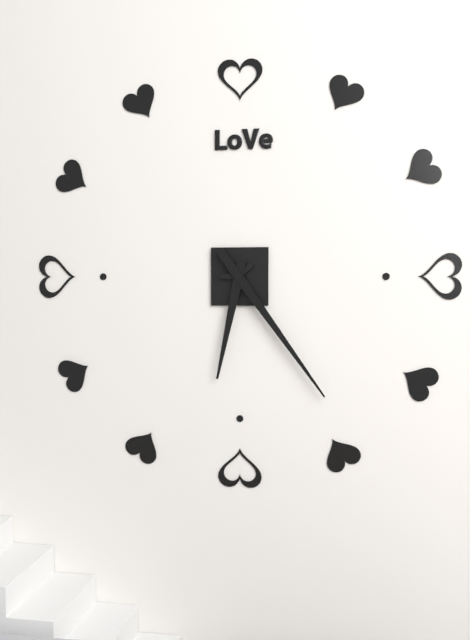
6:24
